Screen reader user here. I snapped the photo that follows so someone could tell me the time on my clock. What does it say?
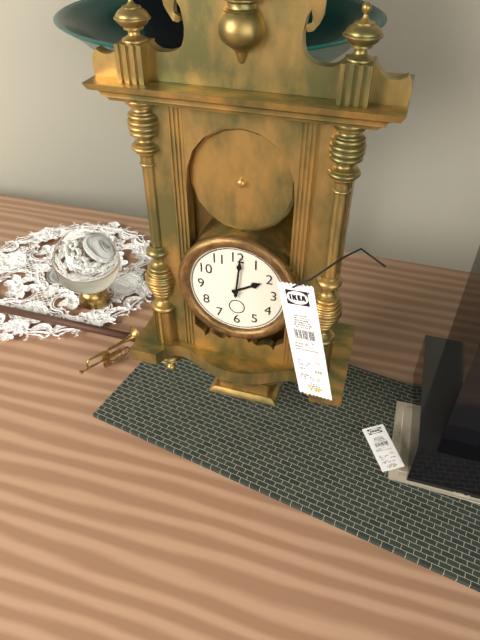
2:01
